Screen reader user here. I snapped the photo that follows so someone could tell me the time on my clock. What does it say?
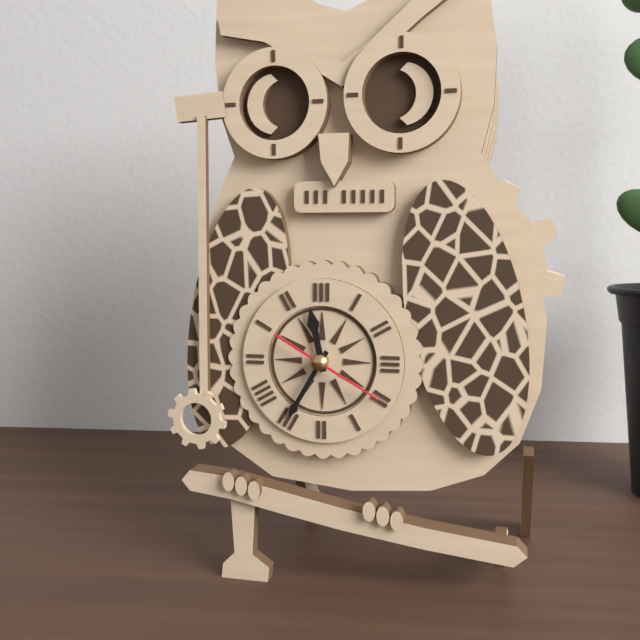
11:35:20
